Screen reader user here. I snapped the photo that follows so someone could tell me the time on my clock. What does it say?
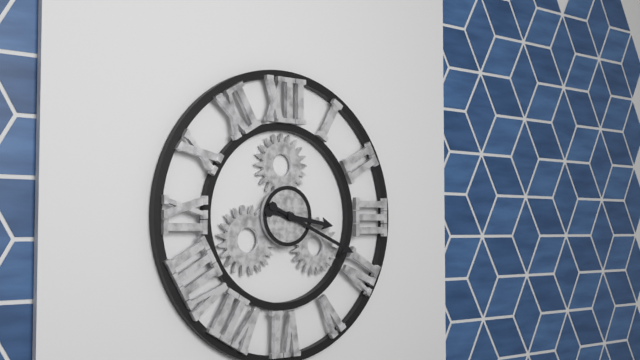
3:19
